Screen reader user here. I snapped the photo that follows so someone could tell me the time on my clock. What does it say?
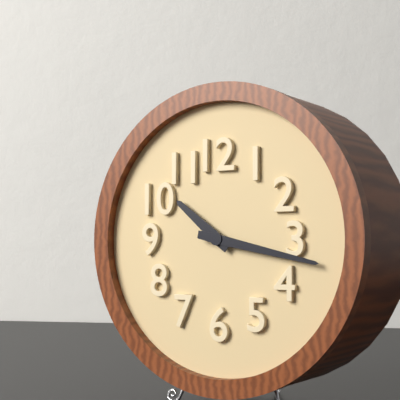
10:17
